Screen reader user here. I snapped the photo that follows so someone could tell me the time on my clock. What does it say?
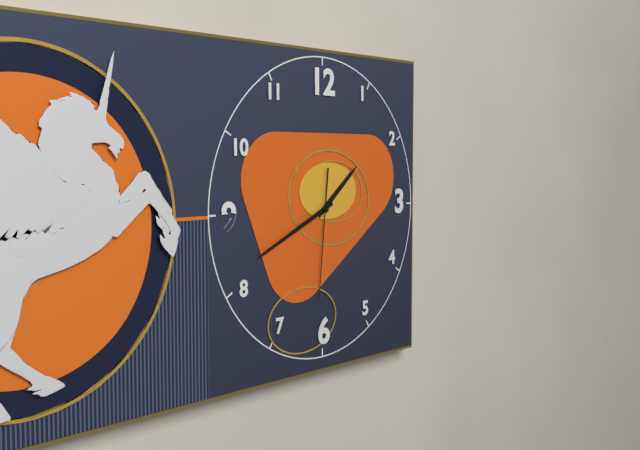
1:41:31
